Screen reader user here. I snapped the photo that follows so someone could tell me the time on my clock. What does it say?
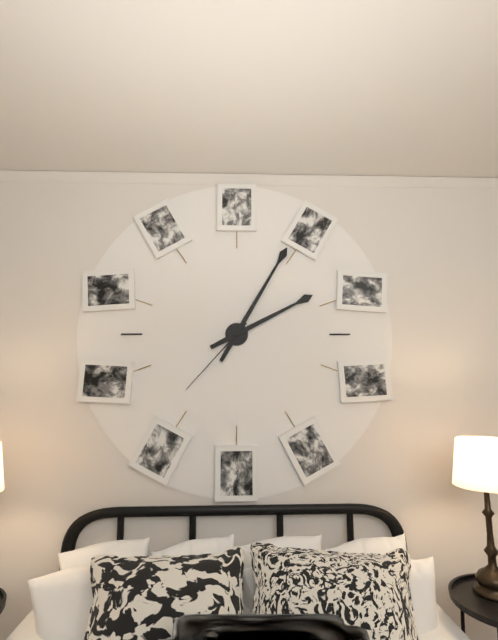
2:05:37
